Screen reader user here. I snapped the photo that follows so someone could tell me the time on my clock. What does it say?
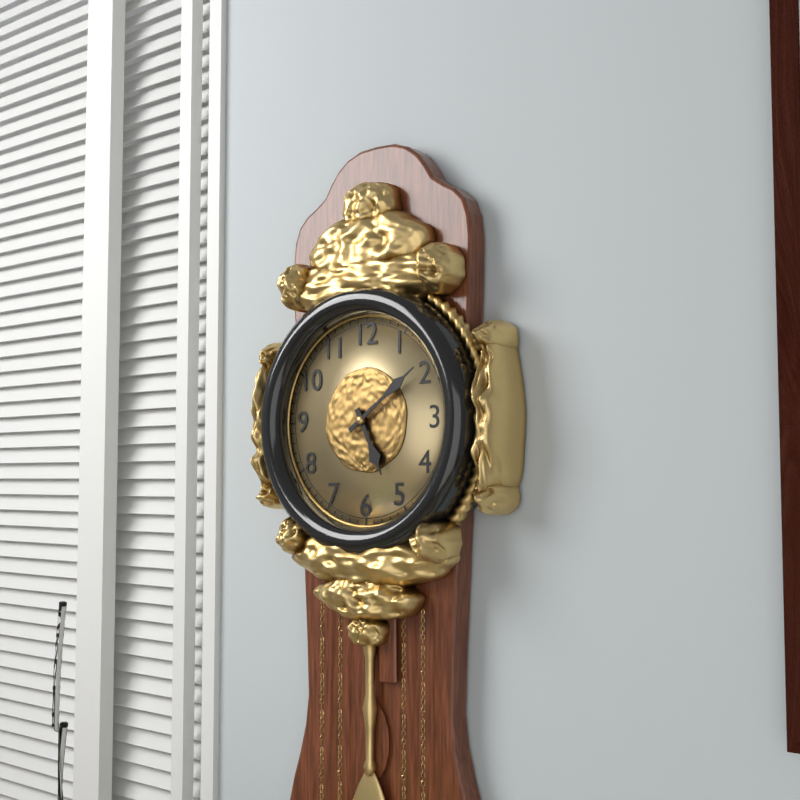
5:09
